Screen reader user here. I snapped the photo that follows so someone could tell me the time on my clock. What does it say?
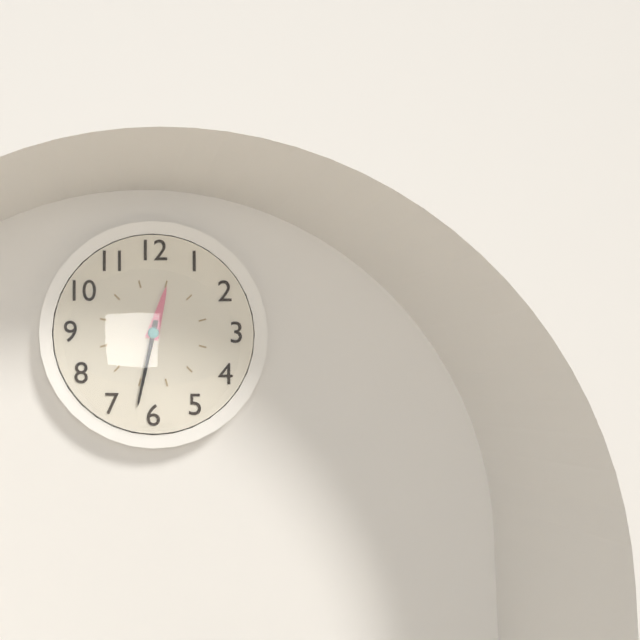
12:32
